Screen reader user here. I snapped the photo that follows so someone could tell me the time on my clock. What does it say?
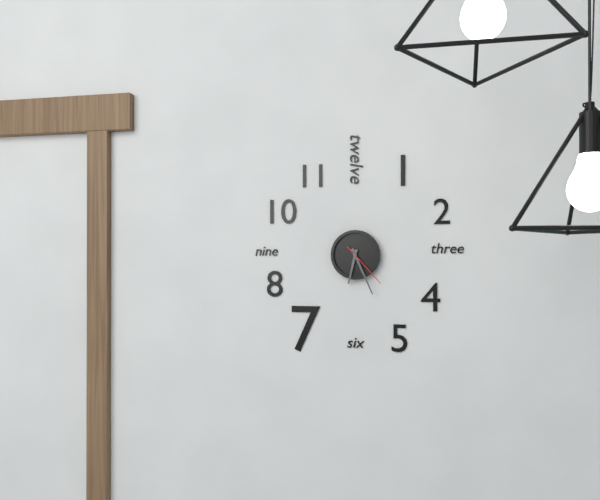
6:26
